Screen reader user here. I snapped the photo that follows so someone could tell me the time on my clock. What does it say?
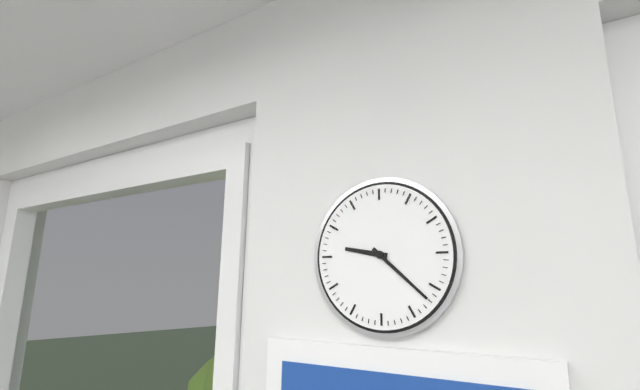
9:22
